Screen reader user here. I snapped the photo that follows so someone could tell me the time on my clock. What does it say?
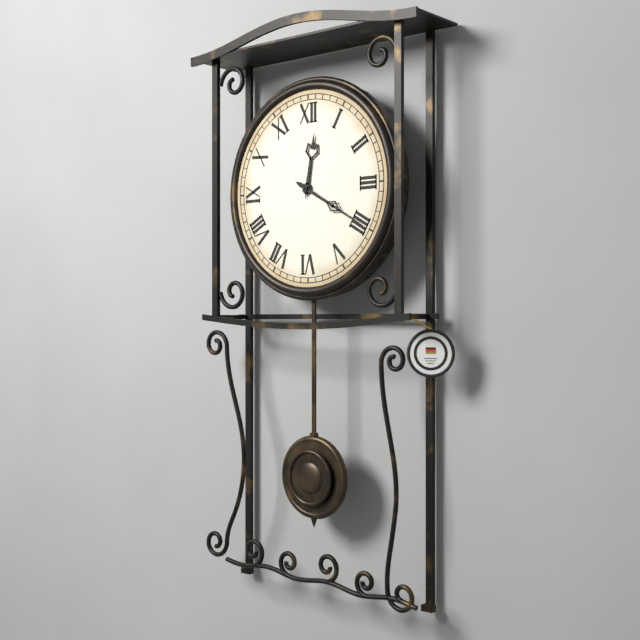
12:20
